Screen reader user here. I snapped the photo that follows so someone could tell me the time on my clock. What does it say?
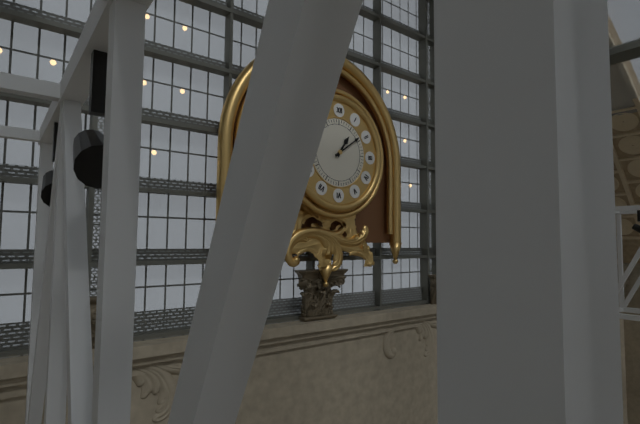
1:09
